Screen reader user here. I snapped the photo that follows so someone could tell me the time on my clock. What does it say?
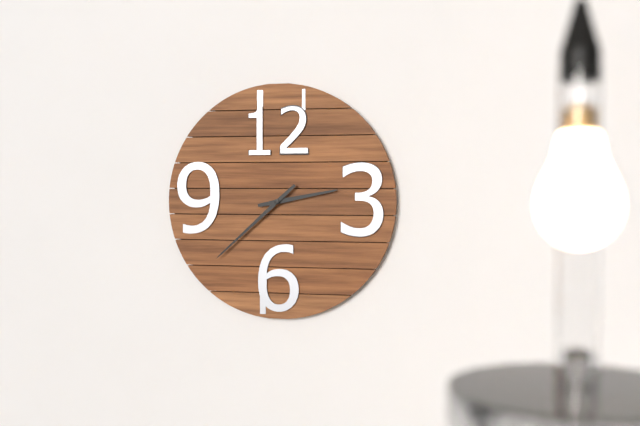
2:38
